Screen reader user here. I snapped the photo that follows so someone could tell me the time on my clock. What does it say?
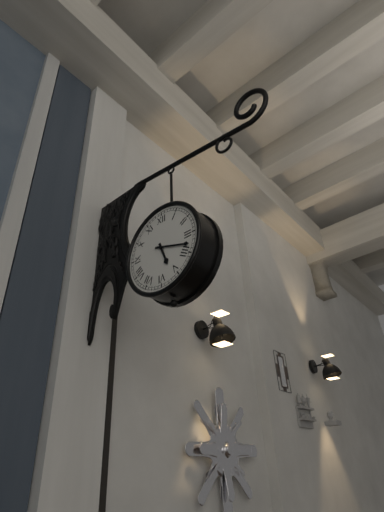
5:18
